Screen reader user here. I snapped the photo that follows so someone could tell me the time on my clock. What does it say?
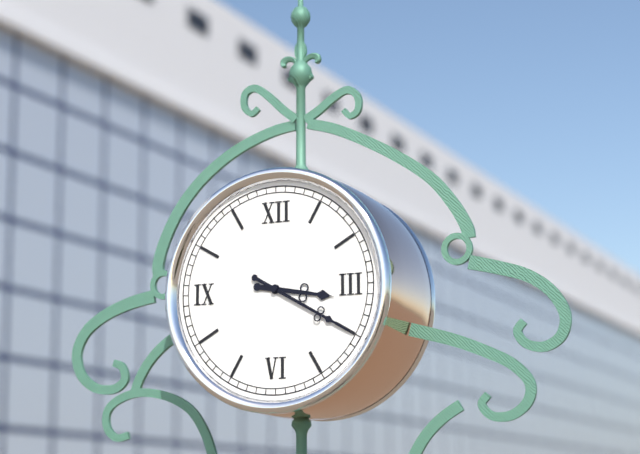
3:20
